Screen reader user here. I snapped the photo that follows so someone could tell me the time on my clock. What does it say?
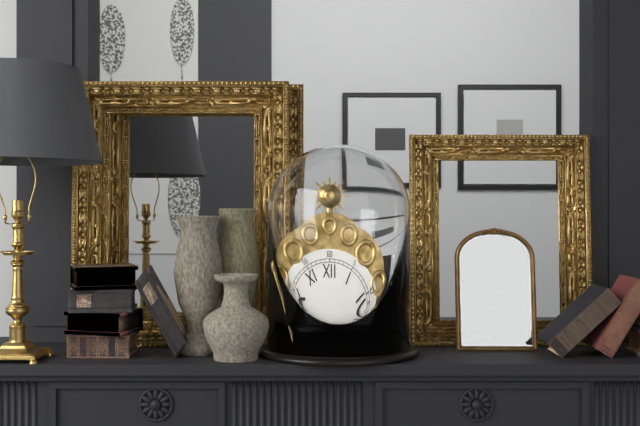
8:32
